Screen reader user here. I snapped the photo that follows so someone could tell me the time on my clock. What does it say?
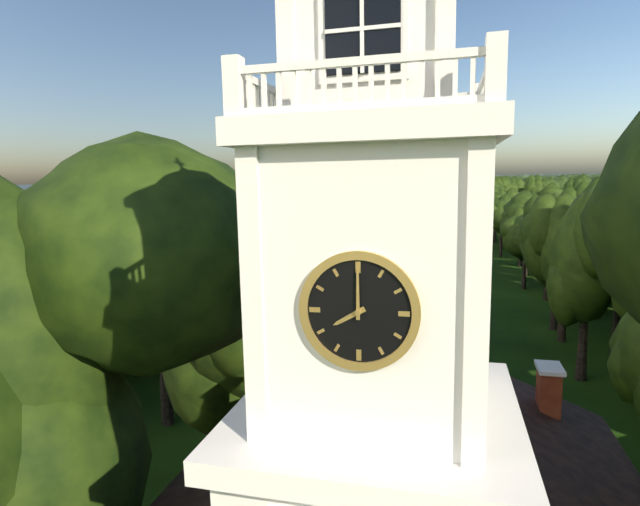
8:00
